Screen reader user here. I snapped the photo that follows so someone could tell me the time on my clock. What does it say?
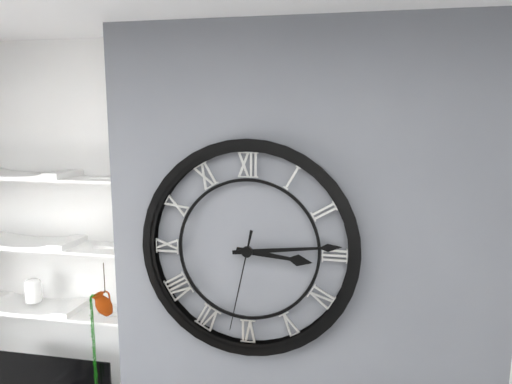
3:14:32
